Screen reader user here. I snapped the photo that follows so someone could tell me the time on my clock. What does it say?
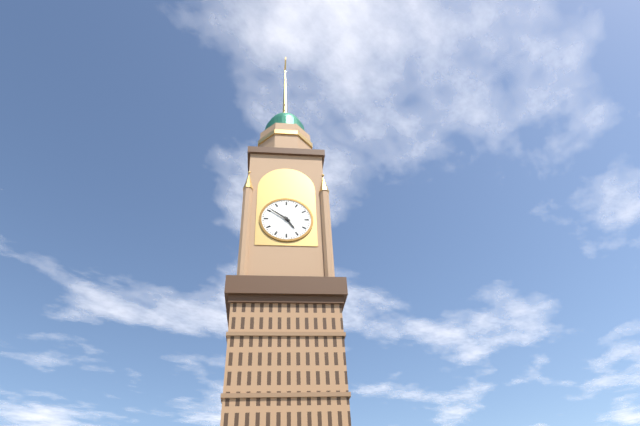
4:51
